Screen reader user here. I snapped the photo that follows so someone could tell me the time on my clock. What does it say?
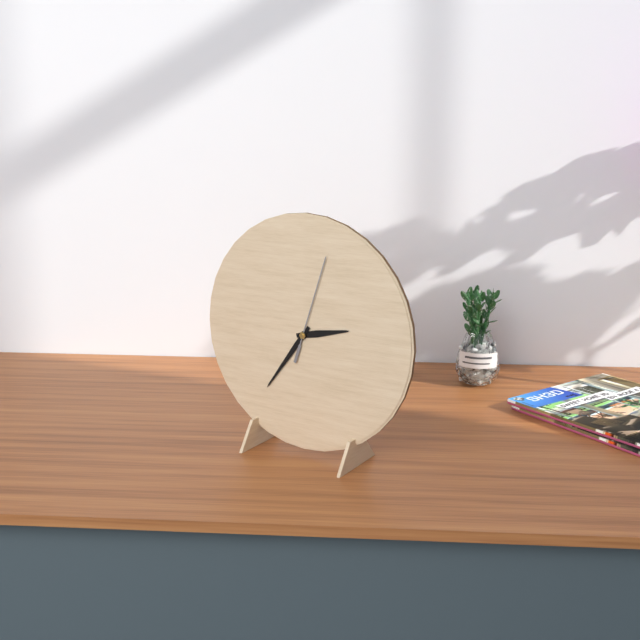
2:36:03
